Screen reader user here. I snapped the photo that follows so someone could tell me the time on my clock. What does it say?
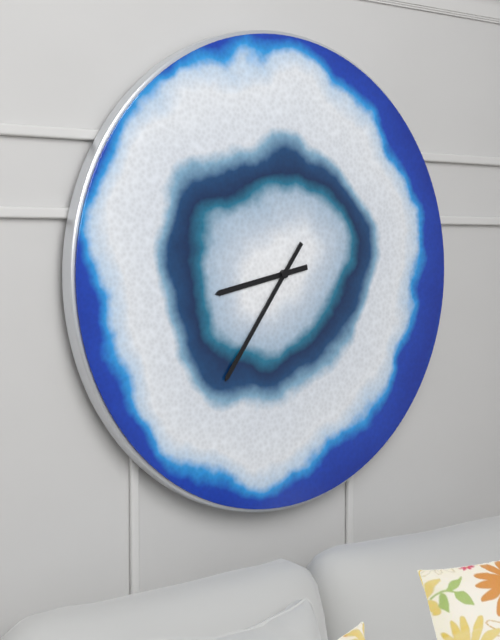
8:36
